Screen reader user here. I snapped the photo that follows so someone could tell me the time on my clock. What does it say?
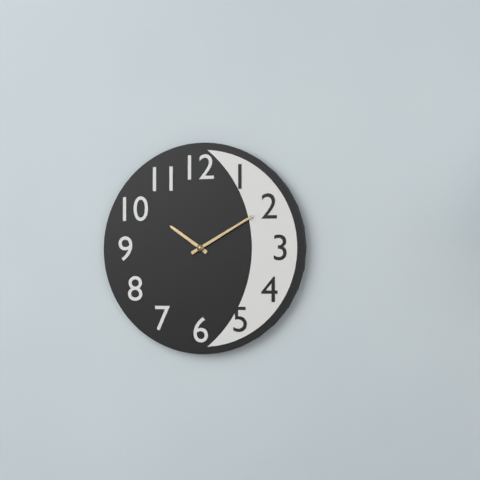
10:10
